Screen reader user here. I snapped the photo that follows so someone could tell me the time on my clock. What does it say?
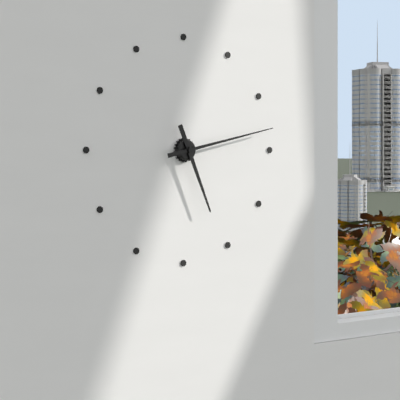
5:13
